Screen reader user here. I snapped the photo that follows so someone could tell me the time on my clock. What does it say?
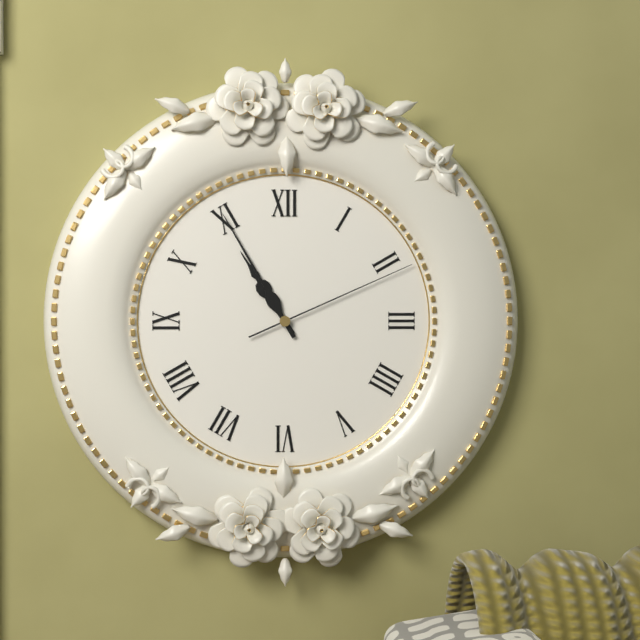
10:55:11
